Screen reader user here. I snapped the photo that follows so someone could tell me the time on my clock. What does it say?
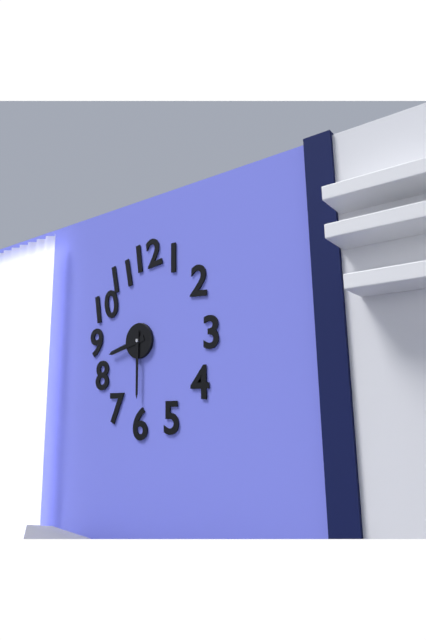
8:30
